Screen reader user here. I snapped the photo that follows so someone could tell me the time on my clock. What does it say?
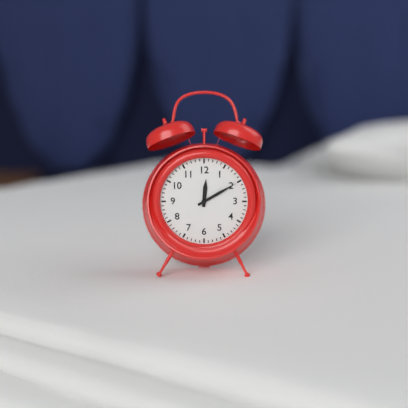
12:10
